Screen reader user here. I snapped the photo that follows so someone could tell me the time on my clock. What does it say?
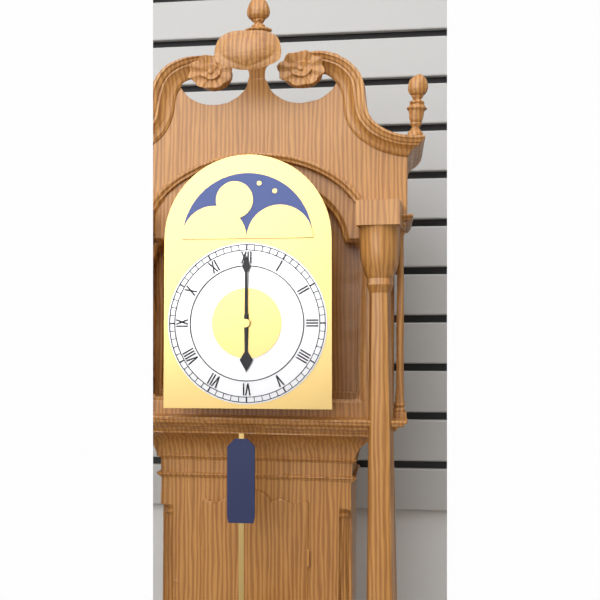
6:00
